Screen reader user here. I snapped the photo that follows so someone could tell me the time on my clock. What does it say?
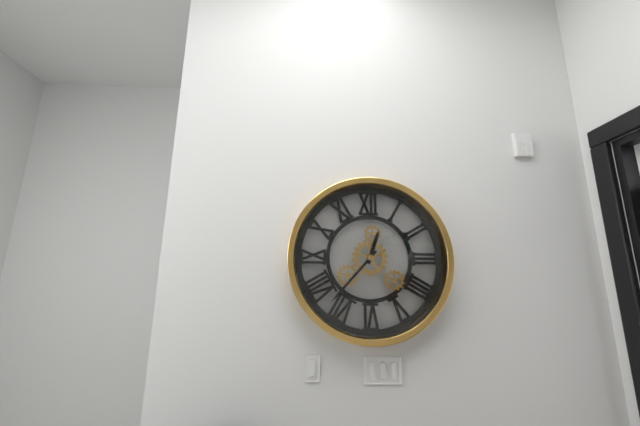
12:37
